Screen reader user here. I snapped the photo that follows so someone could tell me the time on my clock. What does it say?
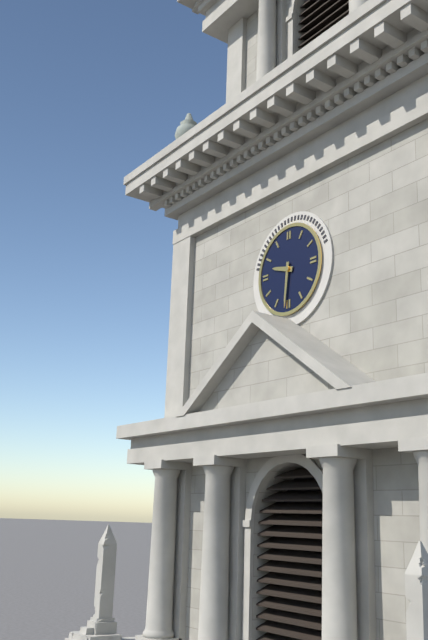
9:31
